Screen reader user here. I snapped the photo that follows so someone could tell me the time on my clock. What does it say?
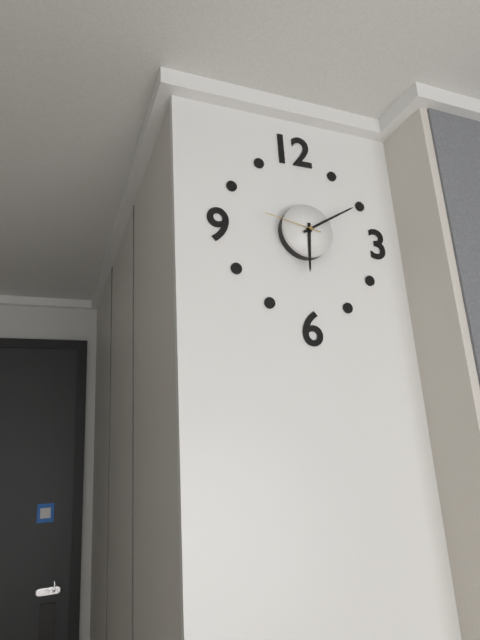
6:10:47
